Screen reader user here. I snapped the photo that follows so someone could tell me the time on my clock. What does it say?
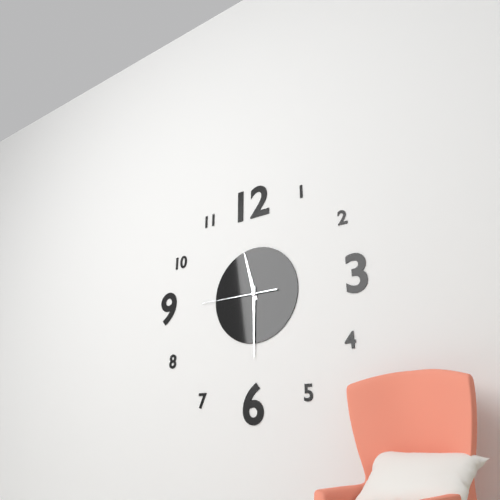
11:30:45
